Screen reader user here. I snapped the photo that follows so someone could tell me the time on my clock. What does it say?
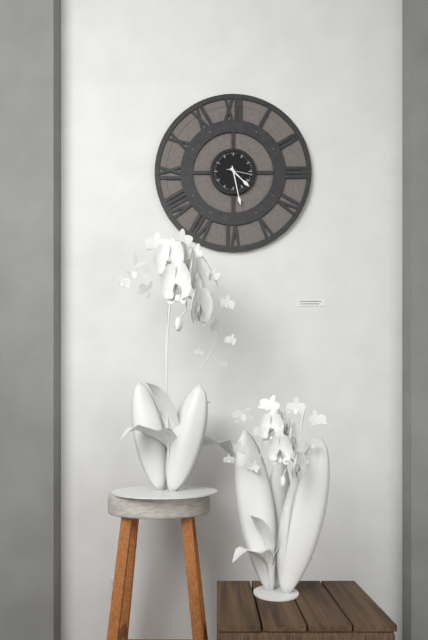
4:28
